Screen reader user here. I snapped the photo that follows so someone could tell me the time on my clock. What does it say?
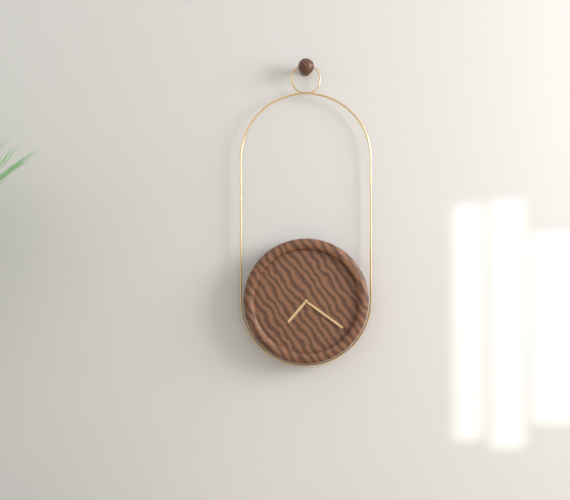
7:21
